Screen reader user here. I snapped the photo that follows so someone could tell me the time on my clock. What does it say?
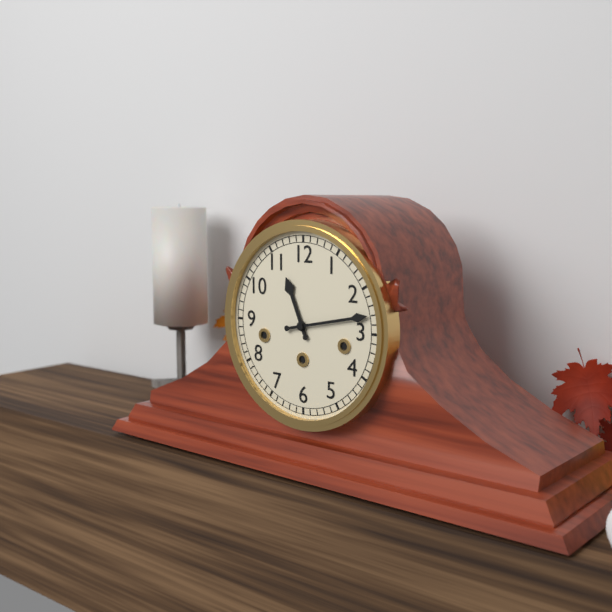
11:13
